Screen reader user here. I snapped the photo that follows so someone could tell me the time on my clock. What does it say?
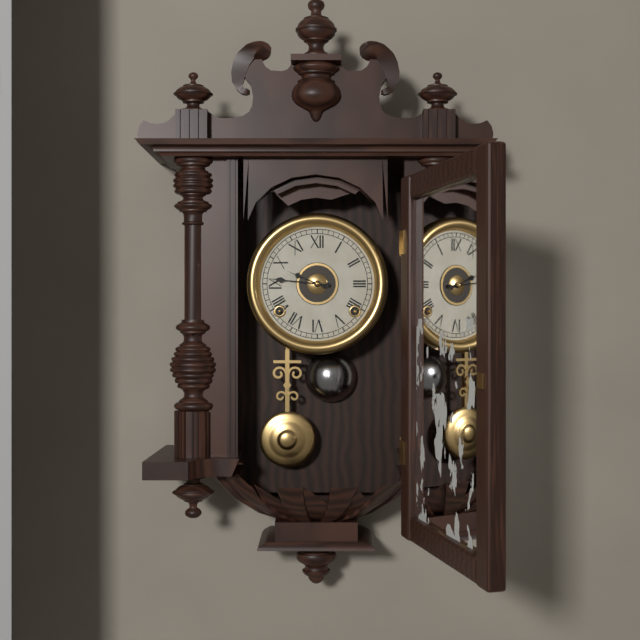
9:46
